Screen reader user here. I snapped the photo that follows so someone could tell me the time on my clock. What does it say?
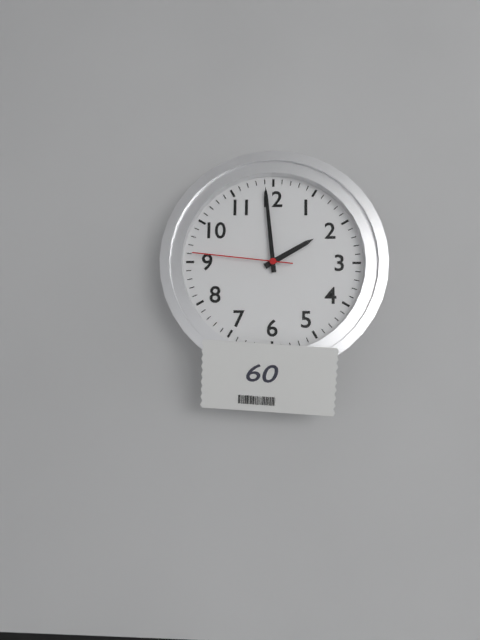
1:59:46
